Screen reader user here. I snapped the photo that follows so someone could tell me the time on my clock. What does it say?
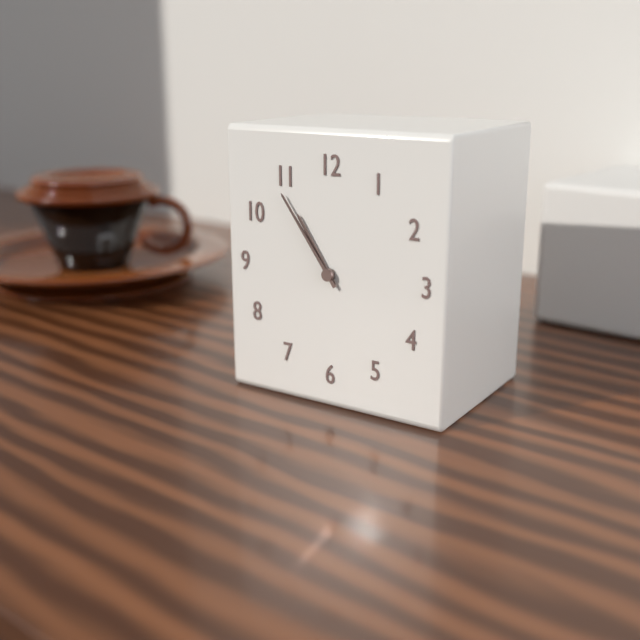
10:54
